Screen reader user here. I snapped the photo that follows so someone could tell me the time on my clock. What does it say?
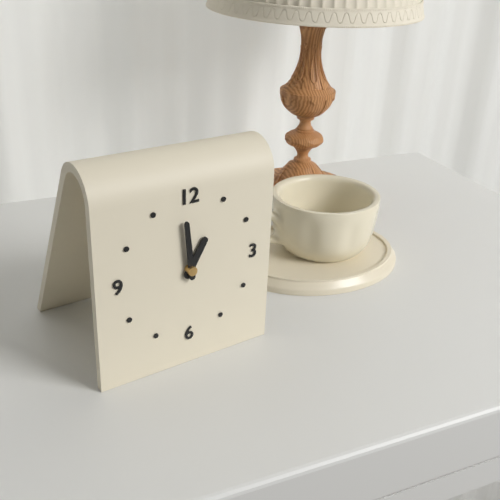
12:59
